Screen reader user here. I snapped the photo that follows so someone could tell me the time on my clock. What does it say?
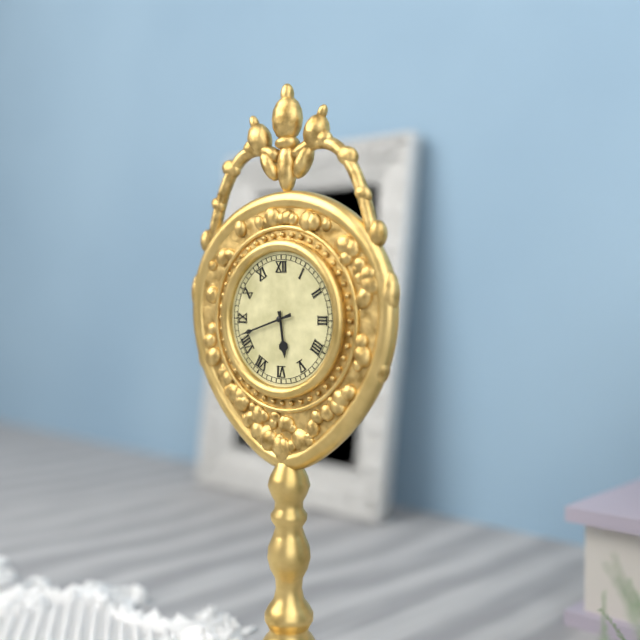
5:42
